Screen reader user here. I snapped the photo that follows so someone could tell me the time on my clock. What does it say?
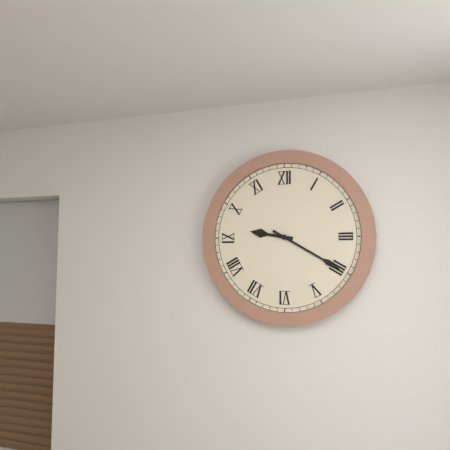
9:20
